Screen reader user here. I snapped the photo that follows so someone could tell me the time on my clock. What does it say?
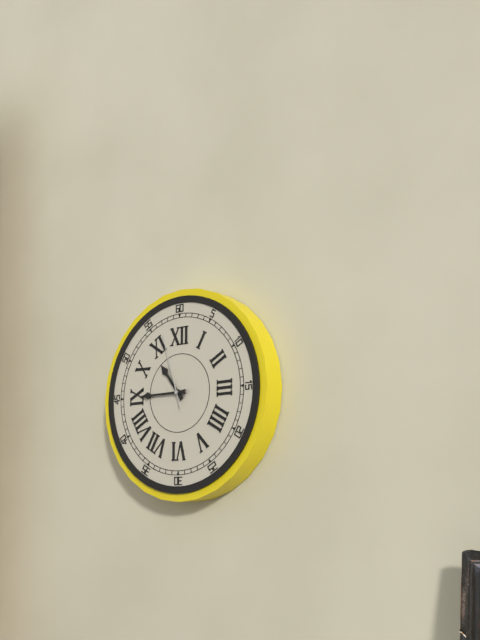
10:45:57
